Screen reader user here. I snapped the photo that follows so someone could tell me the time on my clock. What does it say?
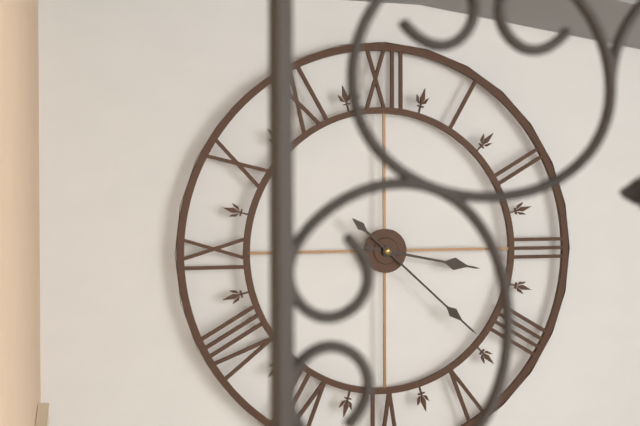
3:22
